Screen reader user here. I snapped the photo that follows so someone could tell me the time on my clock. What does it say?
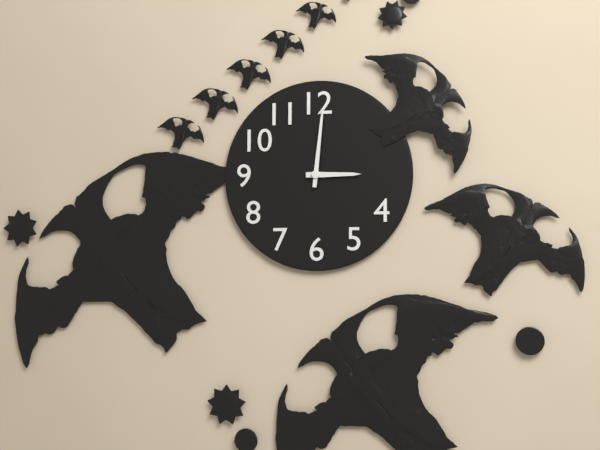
3:01
